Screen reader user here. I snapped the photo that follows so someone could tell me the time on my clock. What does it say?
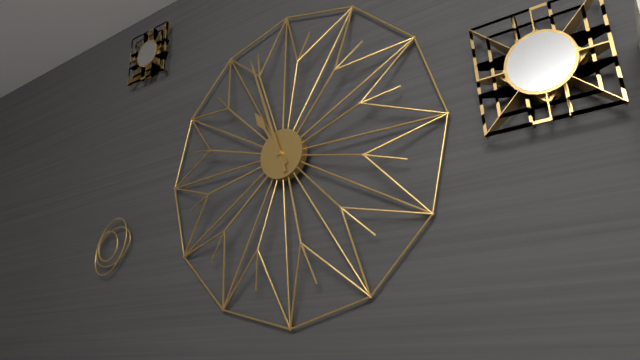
10:57
